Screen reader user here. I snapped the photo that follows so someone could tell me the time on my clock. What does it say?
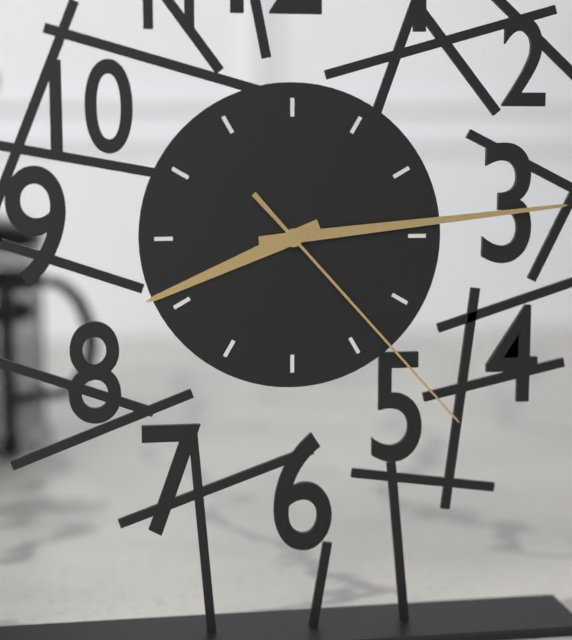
8:14:23
